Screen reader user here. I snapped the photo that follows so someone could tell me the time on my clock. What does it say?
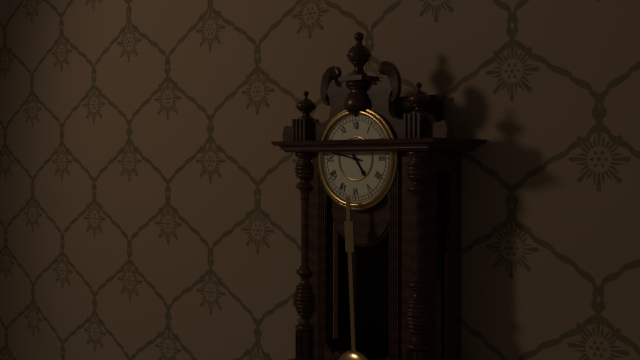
4:47
